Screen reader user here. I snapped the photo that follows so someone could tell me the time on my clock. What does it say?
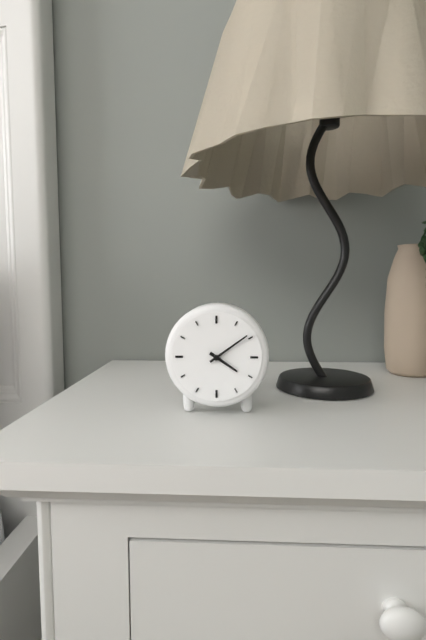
4:09
